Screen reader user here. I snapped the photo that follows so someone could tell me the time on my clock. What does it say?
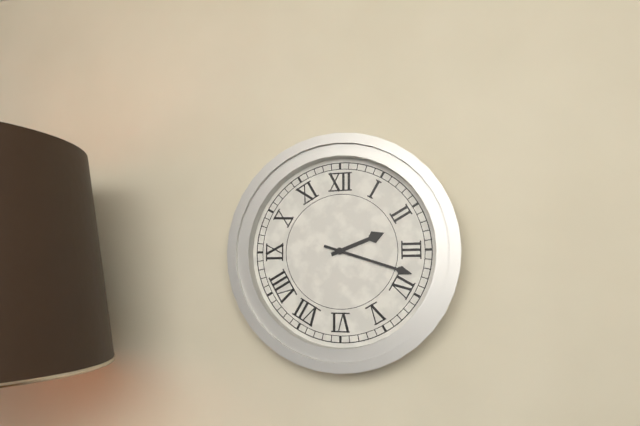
2:18
